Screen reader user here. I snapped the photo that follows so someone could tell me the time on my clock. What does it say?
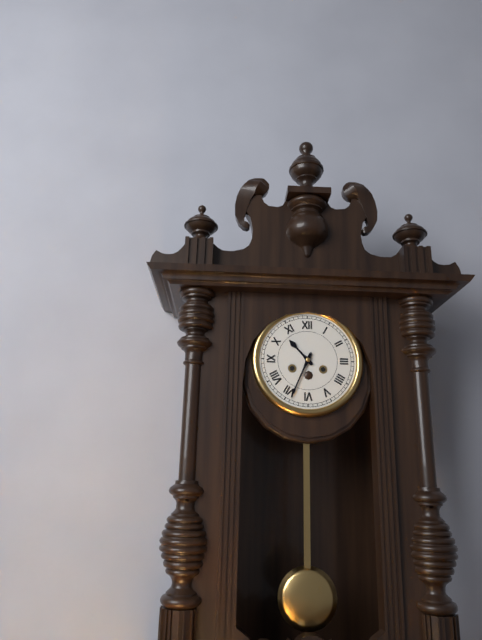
10:34
